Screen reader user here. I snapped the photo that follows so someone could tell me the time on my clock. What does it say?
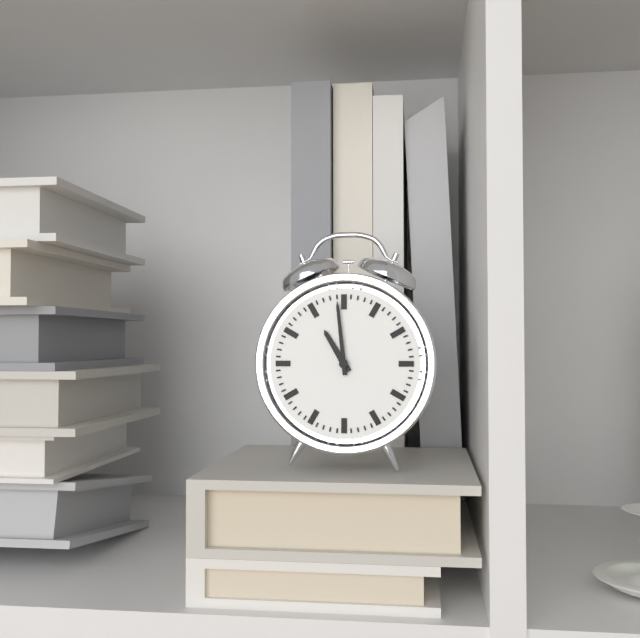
10:59
